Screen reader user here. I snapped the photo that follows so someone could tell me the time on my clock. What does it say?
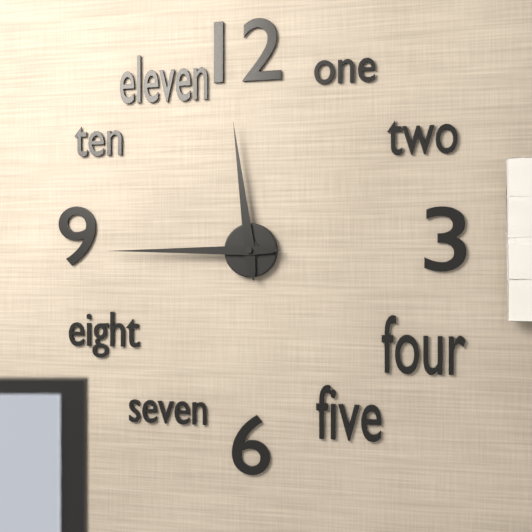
11:45
